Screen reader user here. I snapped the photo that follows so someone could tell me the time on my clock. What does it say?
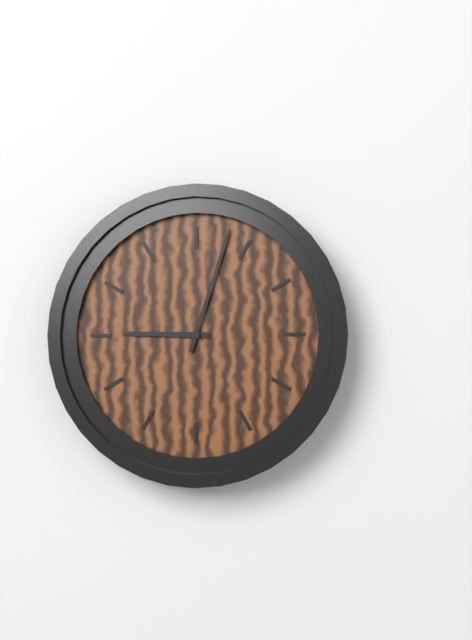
9:03
